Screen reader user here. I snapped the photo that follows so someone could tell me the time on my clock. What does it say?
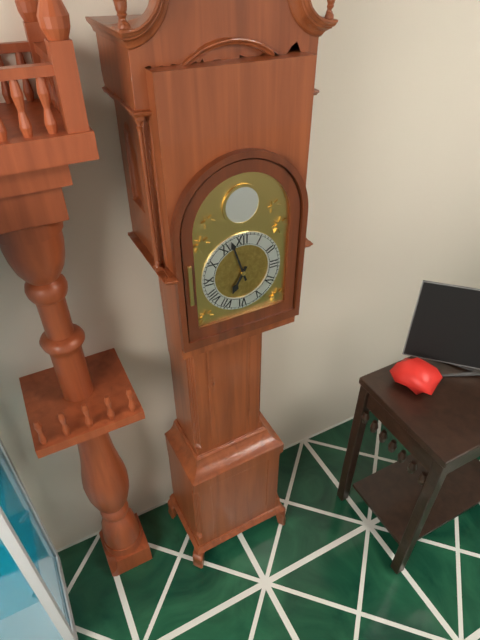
6:57
